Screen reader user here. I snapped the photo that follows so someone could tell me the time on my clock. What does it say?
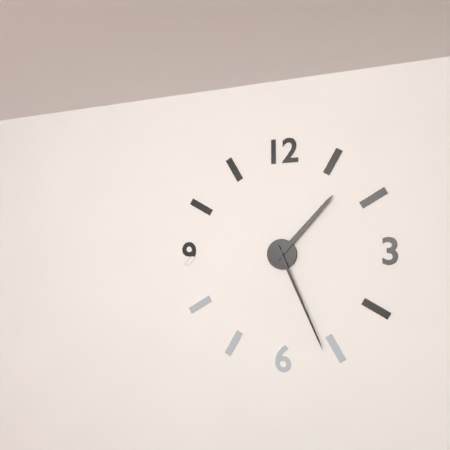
1:26
